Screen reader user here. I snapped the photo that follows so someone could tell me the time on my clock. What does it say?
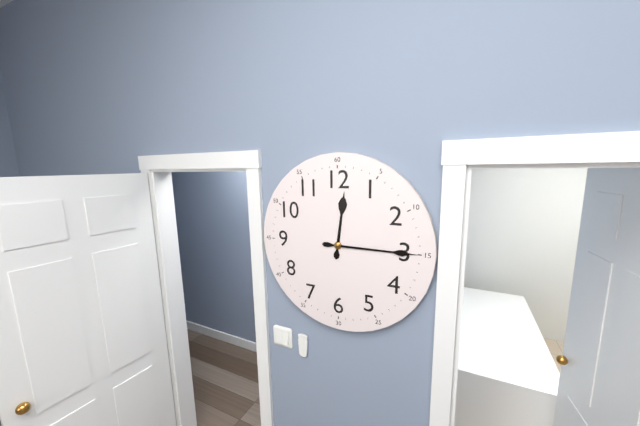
12:15
